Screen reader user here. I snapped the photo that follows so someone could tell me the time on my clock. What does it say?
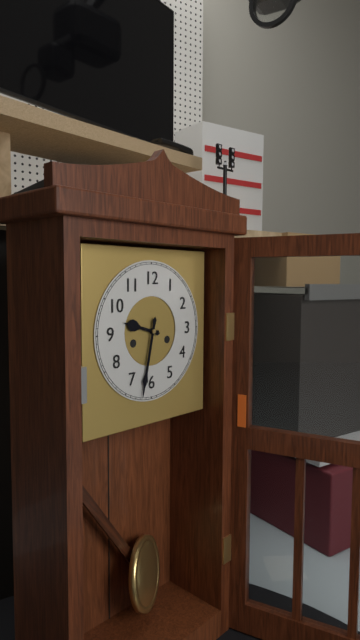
9:32
